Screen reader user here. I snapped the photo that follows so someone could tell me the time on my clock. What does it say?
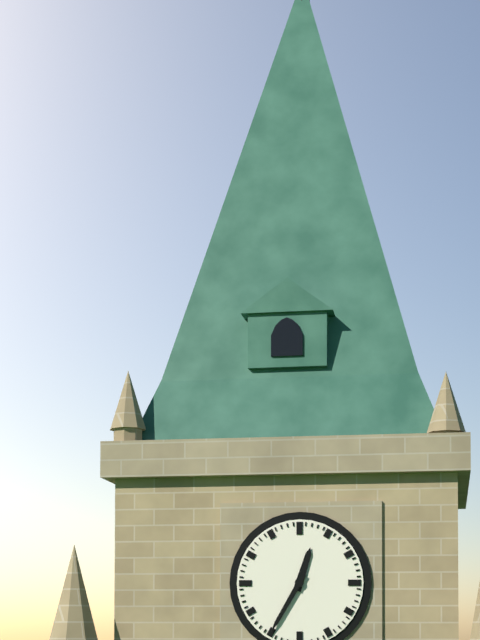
12:35
